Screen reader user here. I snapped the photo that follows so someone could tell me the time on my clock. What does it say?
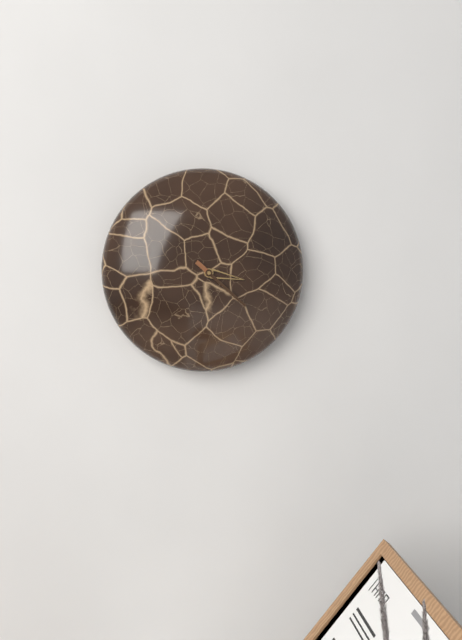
3:22
